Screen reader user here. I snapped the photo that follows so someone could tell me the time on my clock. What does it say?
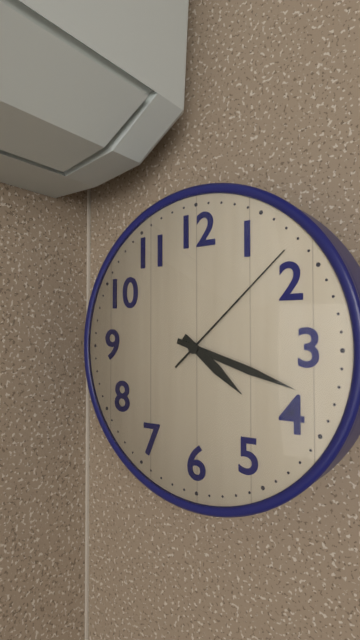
4:18:08
